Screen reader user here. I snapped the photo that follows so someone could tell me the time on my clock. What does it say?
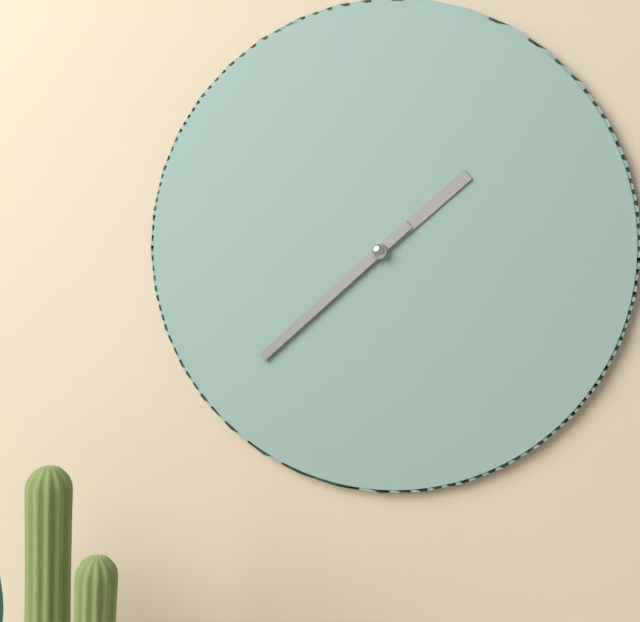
1:38
